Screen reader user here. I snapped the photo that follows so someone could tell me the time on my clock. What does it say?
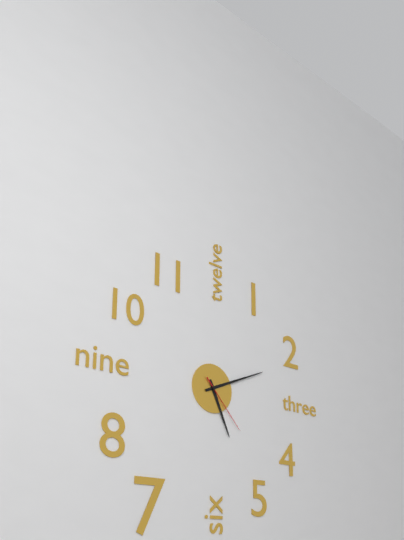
5:11:23
